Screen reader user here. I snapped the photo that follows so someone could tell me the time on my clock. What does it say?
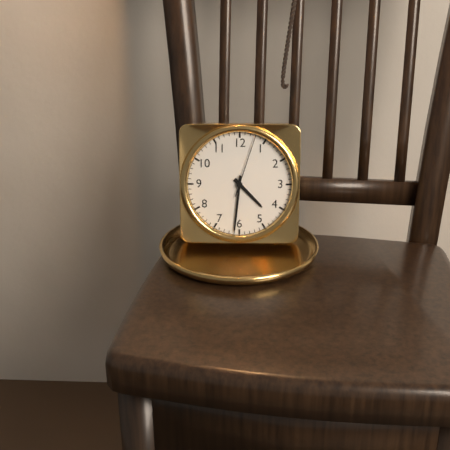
4:31:03
